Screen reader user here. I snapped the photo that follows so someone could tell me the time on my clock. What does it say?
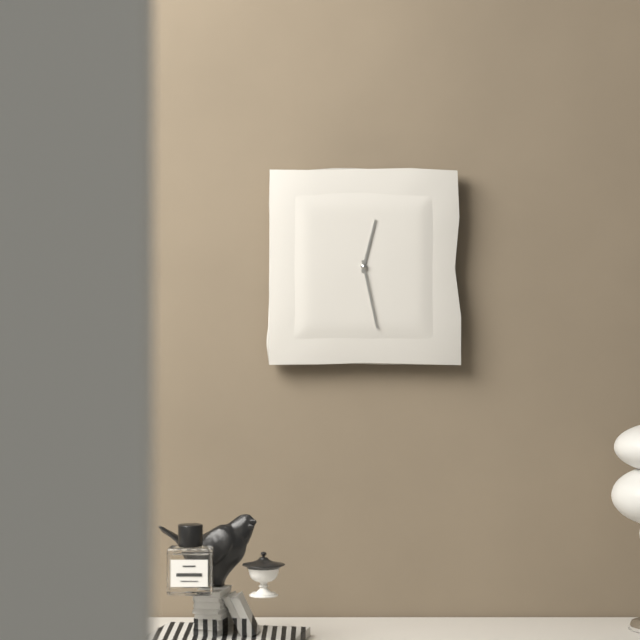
12:28
